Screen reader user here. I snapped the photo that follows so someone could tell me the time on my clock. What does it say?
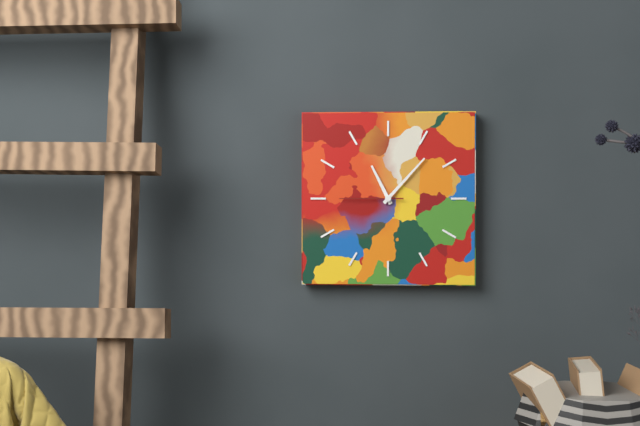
11:07:45
